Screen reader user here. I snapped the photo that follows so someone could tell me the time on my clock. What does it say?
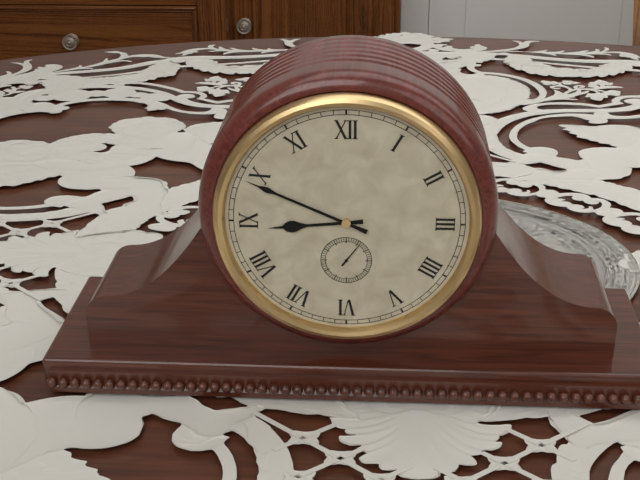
8:49
